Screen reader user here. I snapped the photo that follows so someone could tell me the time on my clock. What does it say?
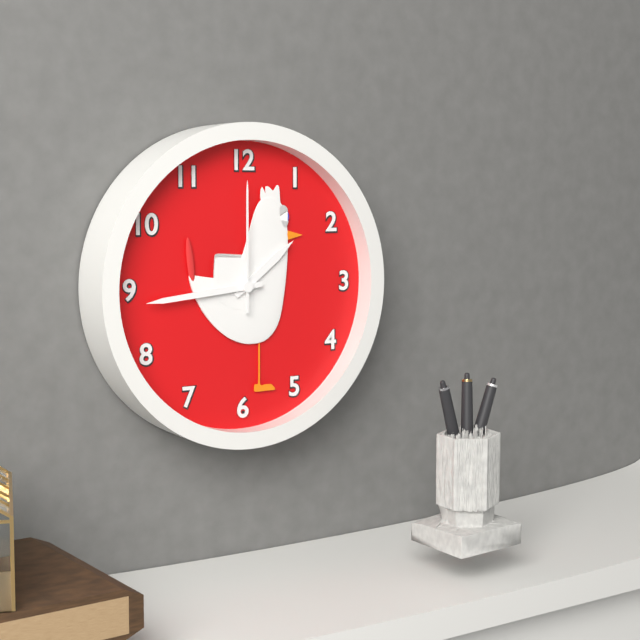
1:44:00
